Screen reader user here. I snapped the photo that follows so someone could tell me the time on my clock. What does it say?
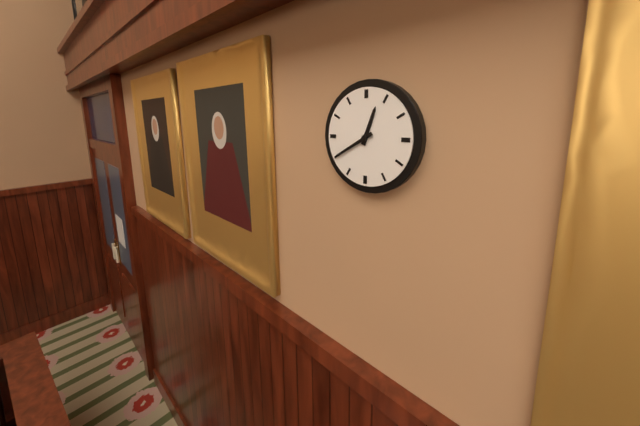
12:40
